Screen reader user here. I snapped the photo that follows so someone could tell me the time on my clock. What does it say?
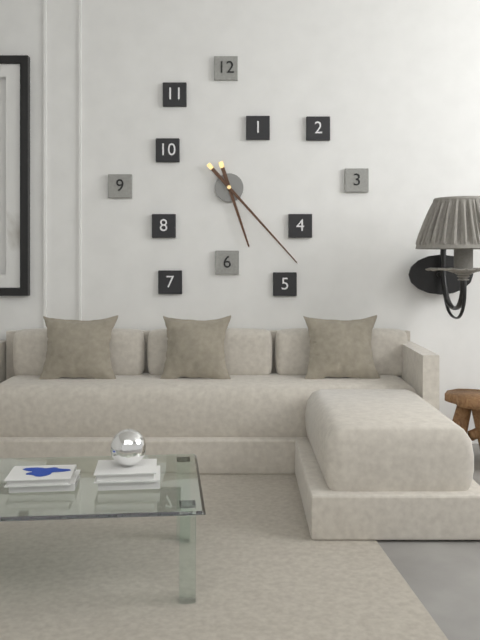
5:23
